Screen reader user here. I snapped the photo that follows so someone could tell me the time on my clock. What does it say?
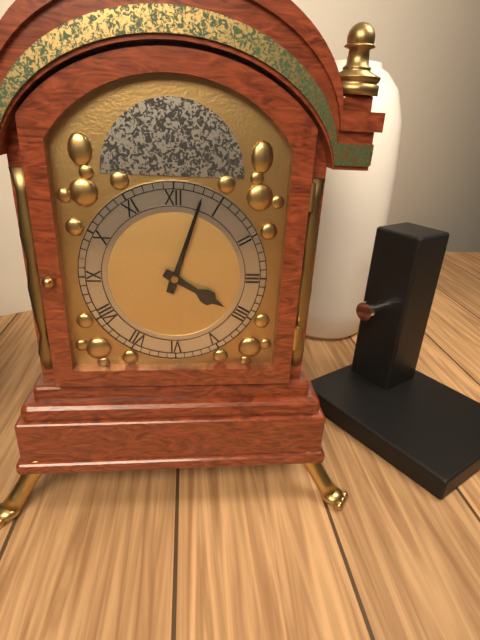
4:03
